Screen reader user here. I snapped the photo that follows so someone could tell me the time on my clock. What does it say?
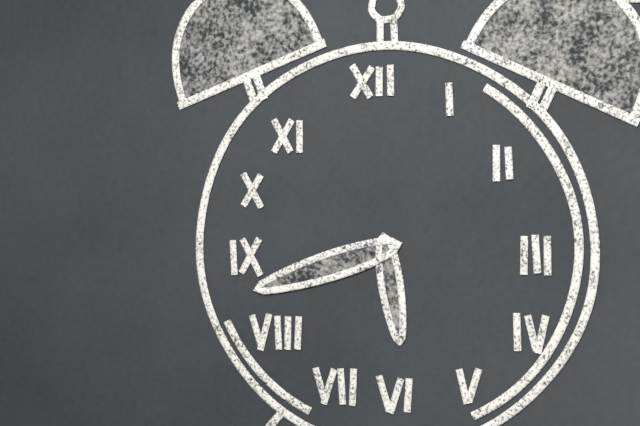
5:42
